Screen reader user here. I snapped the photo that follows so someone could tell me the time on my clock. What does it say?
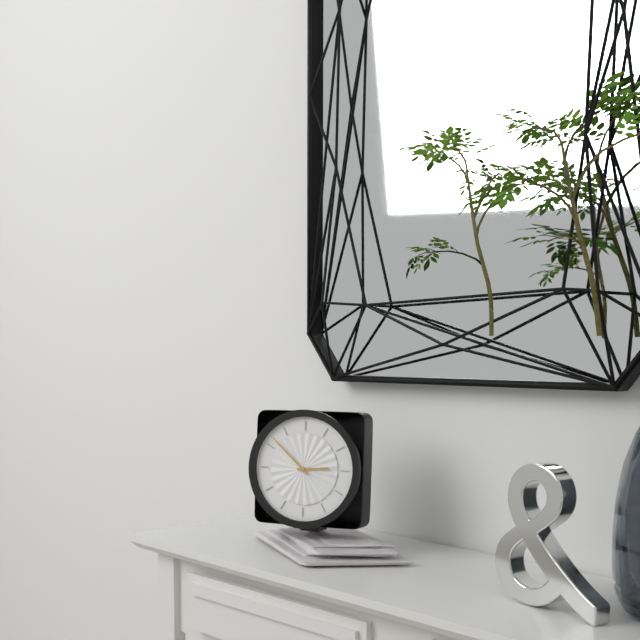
2:52
